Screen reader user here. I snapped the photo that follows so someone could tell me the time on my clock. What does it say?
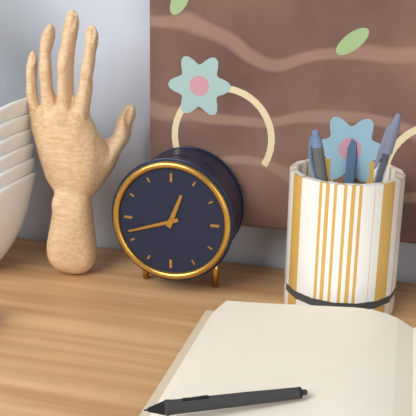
12:42
